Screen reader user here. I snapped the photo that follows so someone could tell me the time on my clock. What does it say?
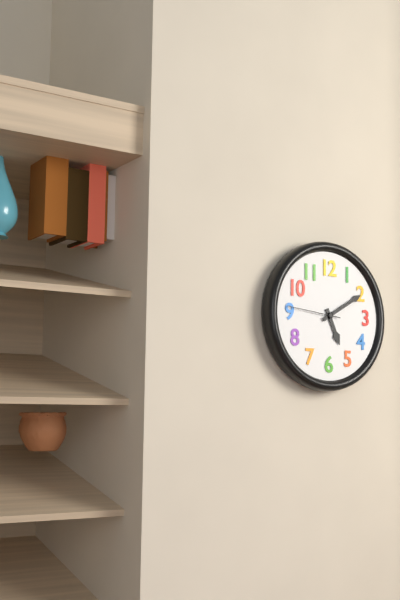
5:10
